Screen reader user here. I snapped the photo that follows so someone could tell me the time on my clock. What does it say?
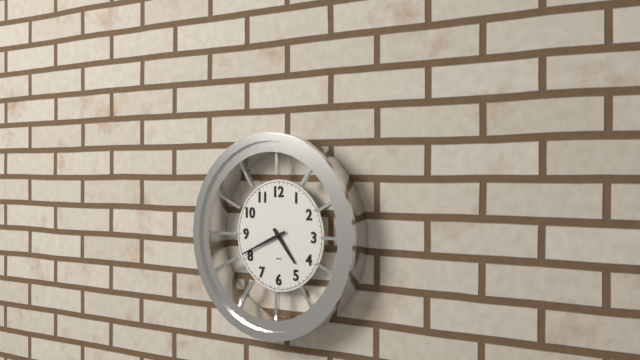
4:41
